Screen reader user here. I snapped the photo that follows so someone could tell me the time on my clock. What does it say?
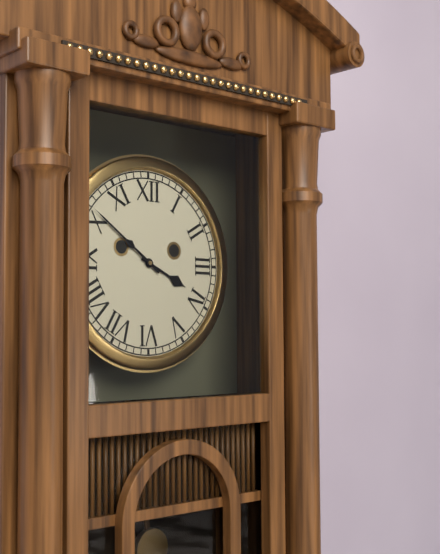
3:51
